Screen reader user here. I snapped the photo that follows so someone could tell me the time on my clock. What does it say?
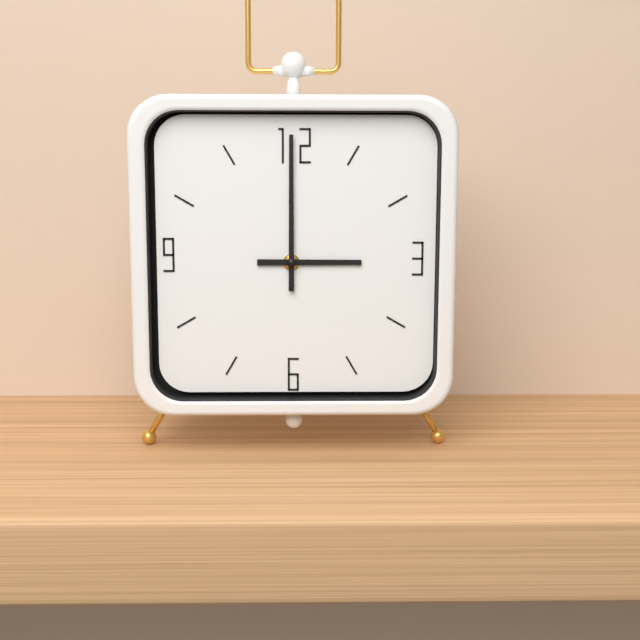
3:00
